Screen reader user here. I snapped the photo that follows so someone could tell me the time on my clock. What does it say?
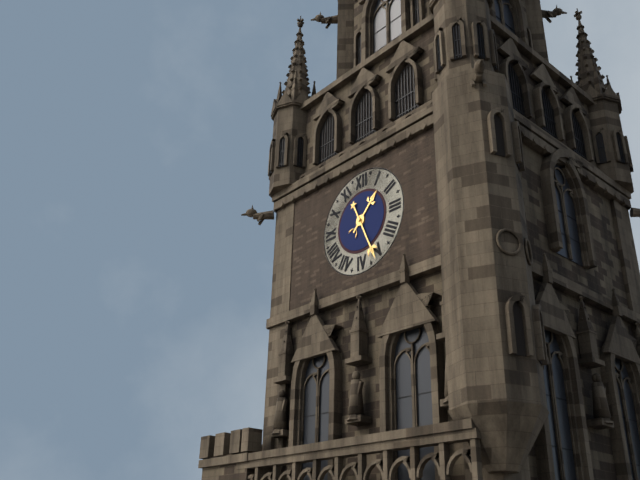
1:26
